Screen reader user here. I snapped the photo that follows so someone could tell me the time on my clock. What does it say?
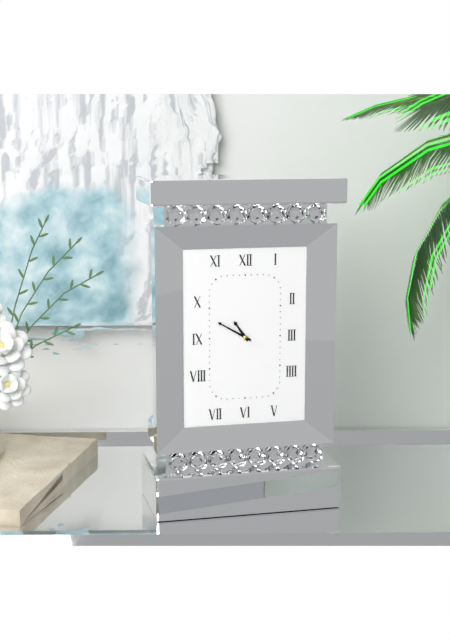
10:50
